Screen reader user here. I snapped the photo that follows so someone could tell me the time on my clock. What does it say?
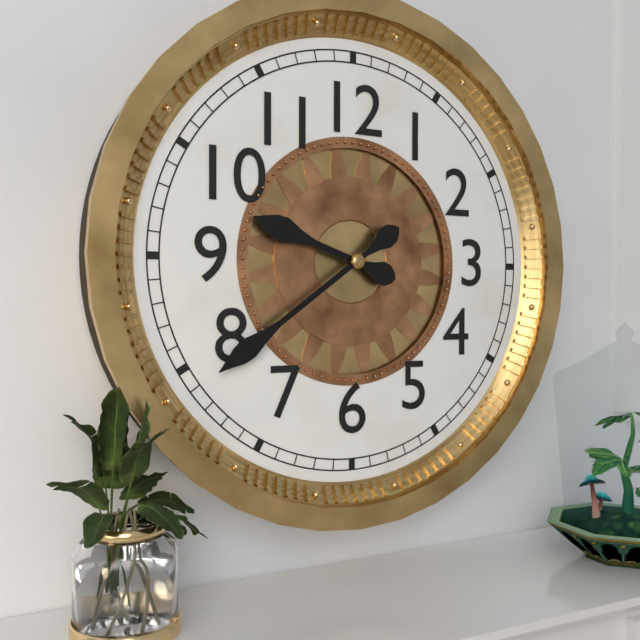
9:39
